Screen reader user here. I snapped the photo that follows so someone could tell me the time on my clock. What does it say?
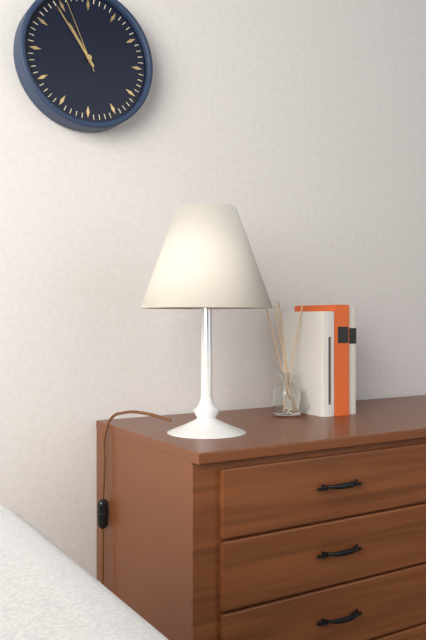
10:54
